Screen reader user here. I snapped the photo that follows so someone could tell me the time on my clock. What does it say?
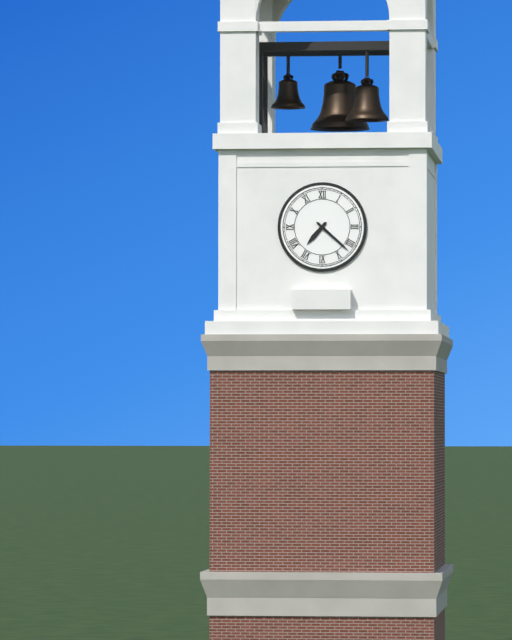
7:22
